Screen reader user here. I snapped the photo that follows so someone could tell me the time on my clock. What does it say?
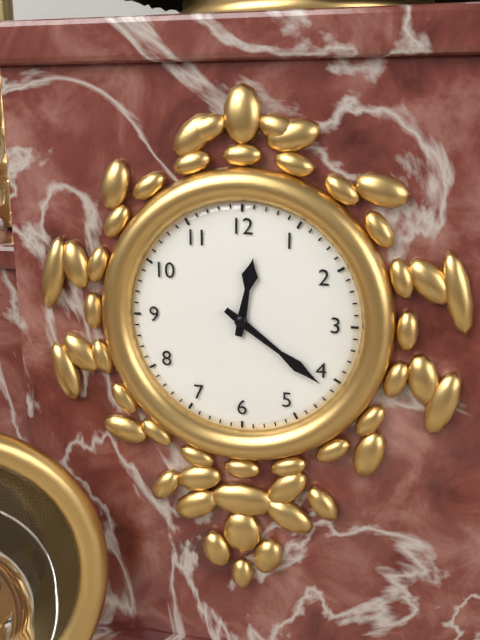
12:21
